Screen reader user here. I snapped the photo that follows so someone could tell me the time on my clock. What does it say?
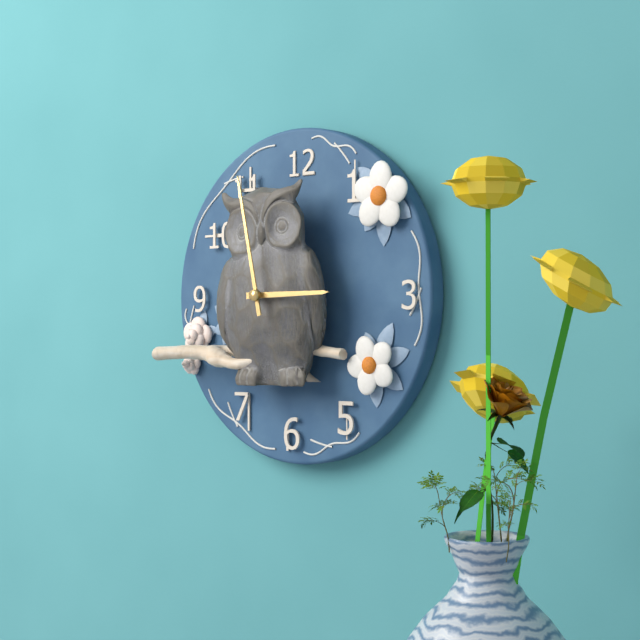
2:58
